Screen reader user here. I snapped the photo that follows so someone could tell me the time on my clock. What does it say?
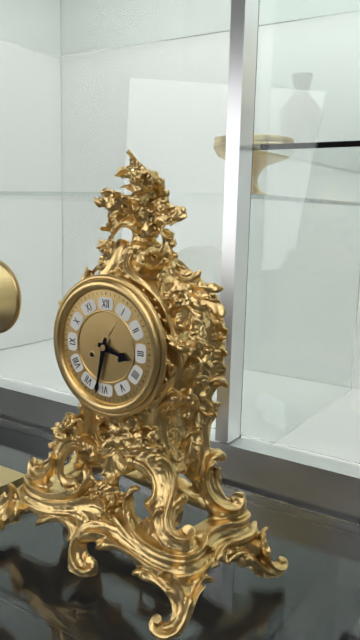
3:32
